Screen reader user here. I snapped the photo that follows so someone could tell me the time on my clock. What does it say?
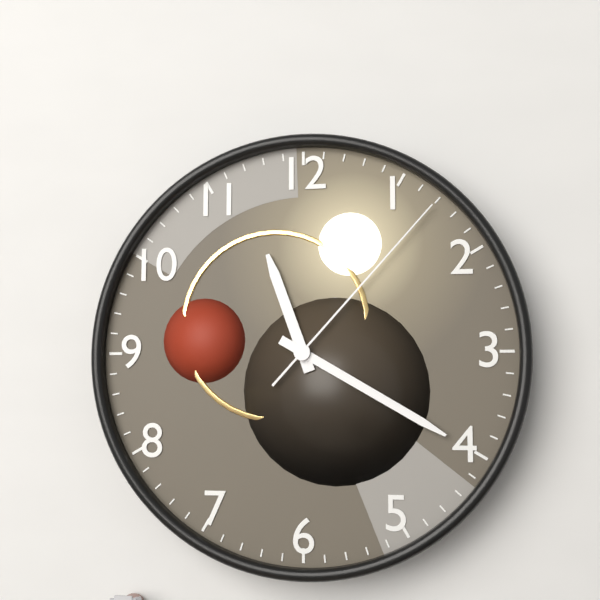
11:20:07
